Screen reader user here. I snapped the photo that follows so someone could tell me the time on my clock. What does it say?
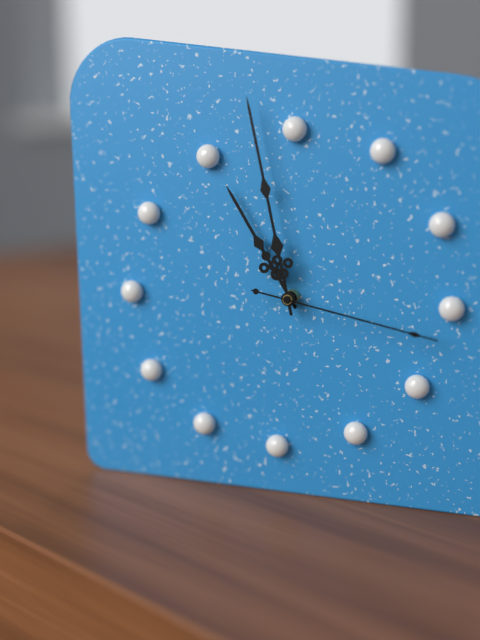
10:58:17
